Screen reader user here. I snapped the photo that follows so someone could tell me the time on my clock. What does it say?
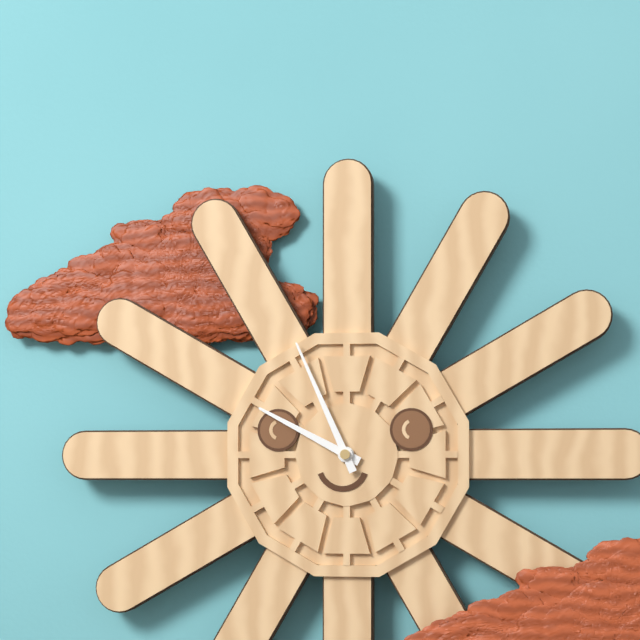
9:56
